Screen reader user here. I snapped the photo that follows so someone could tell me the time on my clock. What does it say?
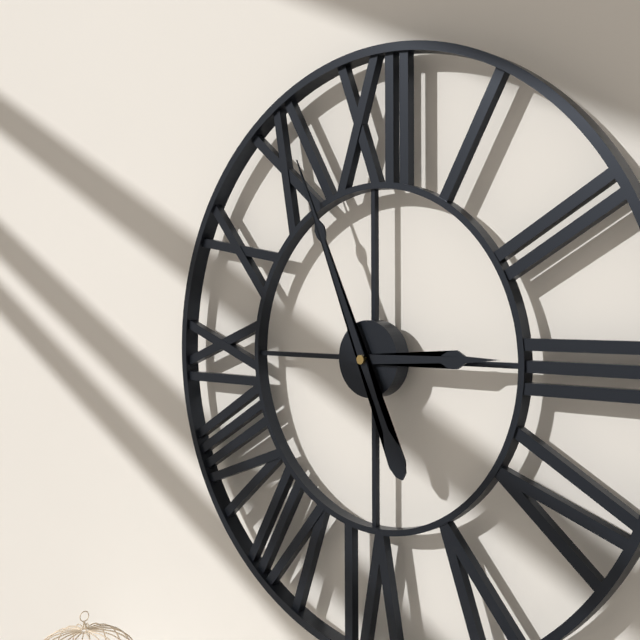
2:56
